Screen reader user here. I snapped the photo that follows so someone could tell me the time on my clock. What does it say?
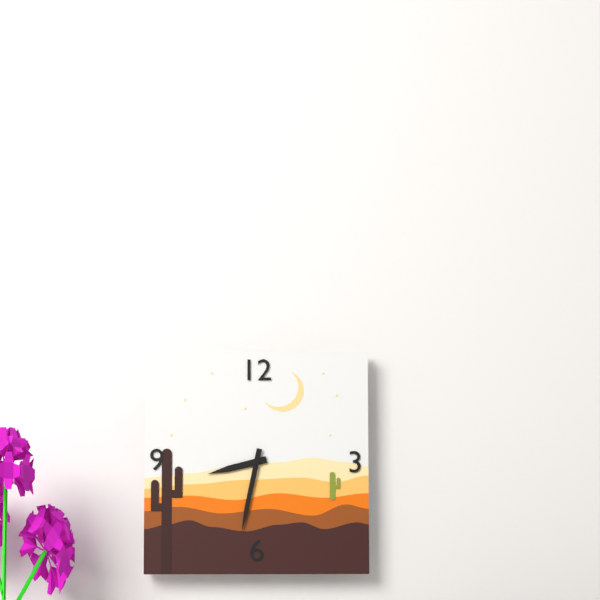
8:32
